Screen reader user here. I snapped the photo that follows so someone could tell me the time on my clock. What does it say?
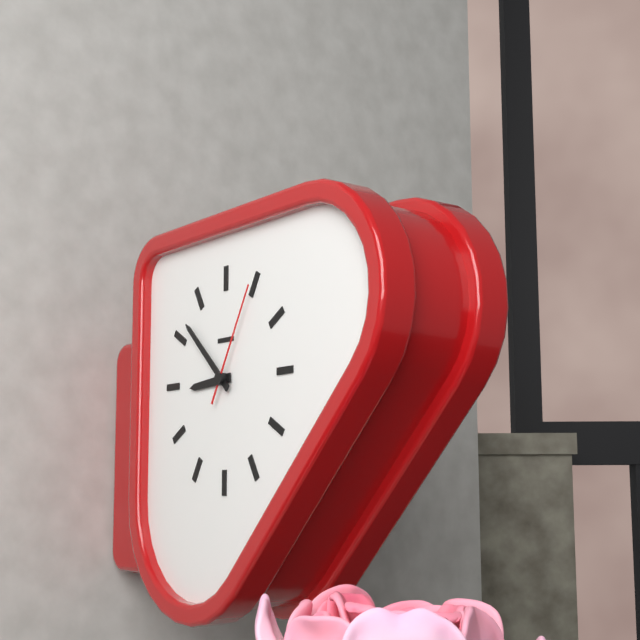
8:52:05
